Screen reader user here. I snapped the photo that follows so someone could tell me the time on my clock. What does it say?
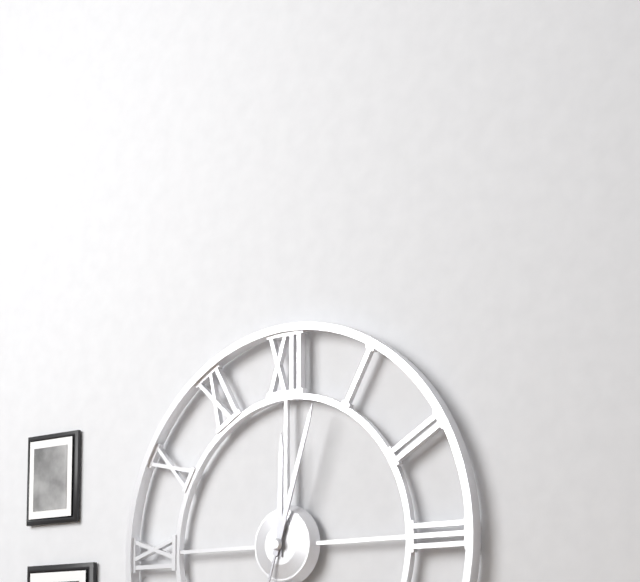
12:03
